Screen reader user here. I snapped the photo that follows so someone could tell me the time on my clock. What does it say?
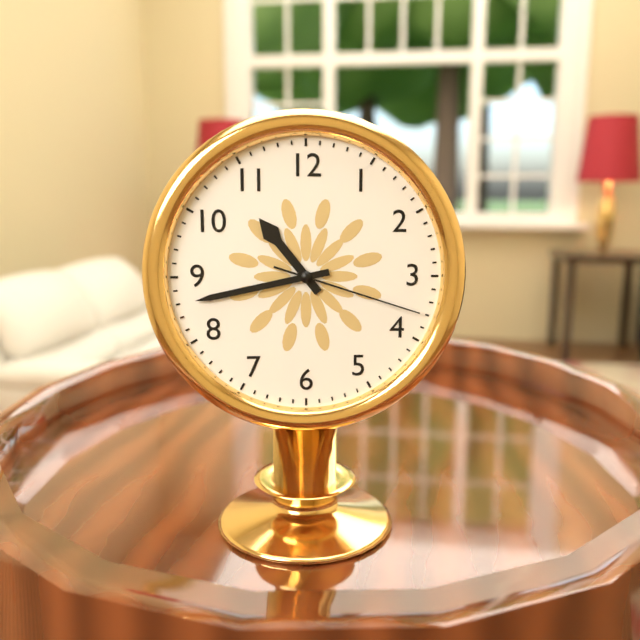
10:43:18
